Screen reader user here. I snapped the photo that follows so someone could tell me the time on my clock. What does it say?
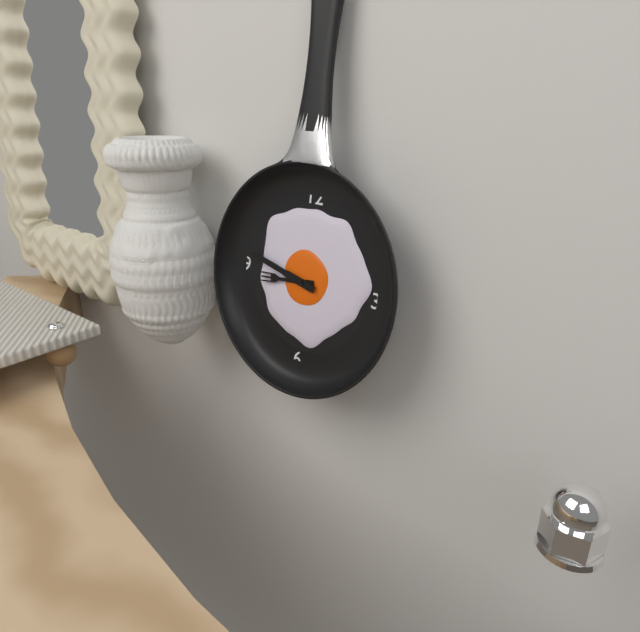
8:47
